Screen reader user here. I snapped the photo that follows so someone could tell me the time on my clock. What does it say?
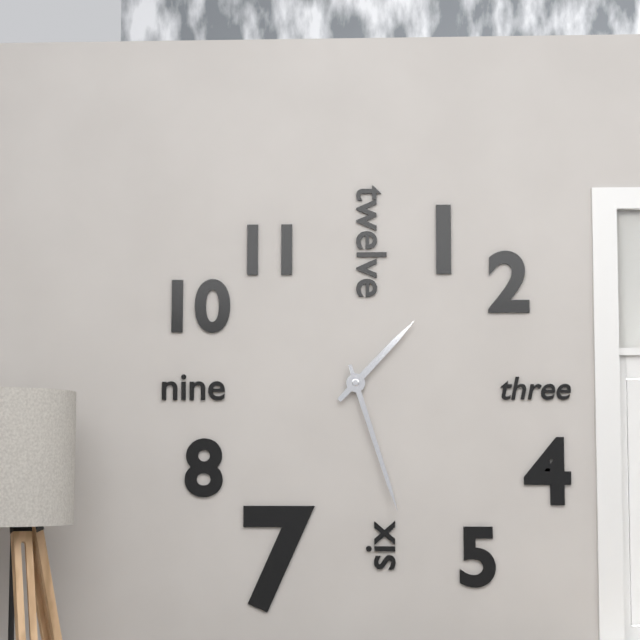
1:27
